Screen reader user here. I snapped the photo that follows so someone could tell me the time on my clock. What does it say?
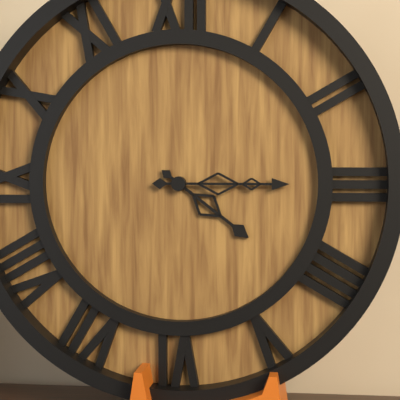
4:15
